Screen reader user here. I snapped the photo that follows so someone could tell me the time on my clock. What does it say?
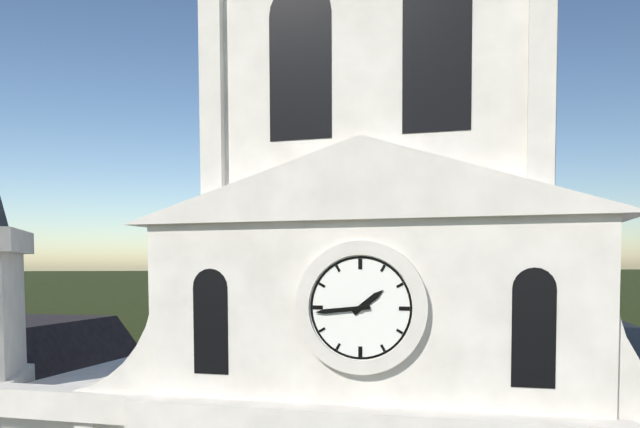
1:44
